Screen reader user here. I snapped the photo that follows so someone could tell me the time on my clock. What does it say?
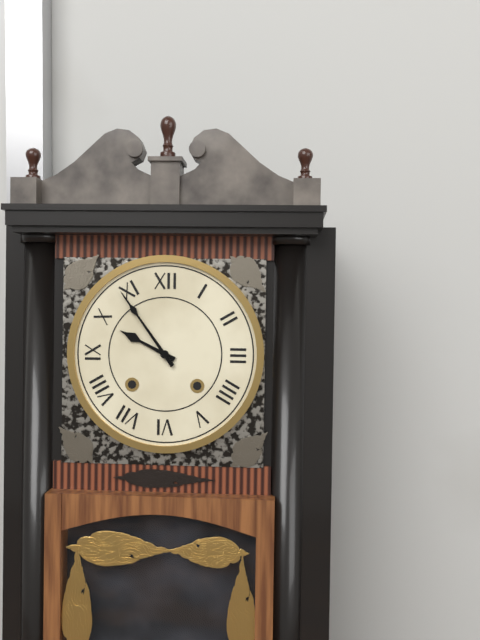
9:54
